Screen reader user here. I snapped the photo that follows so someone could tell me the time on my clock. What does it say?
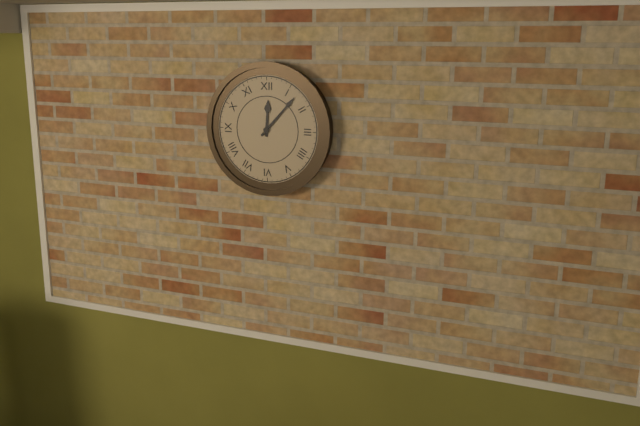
12:07
